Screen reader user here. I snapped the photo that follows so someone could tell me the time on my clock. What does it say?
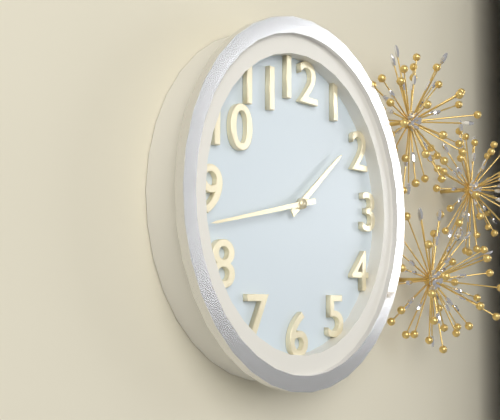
1:43
